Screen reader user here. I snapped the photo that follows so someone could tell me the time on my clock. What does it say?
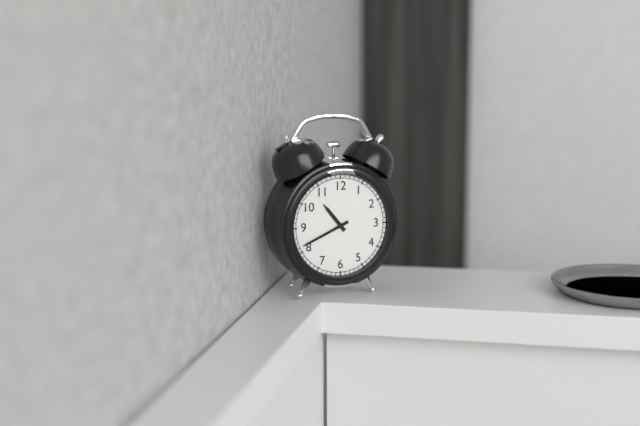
10:41
